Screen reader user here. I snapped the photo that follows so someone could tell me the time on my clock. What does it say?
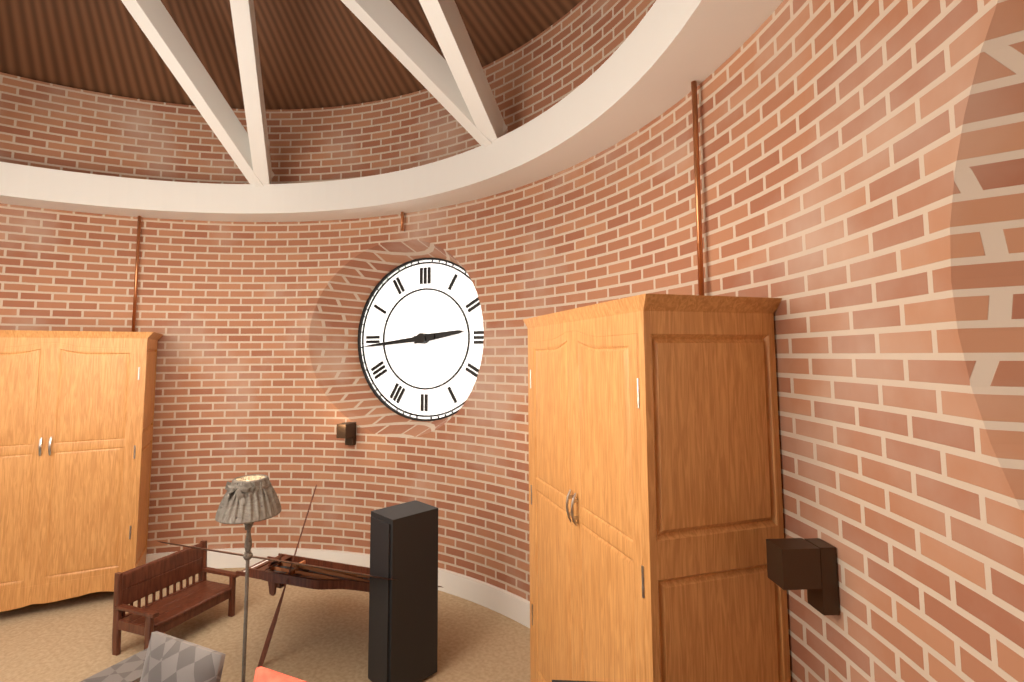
2:44
